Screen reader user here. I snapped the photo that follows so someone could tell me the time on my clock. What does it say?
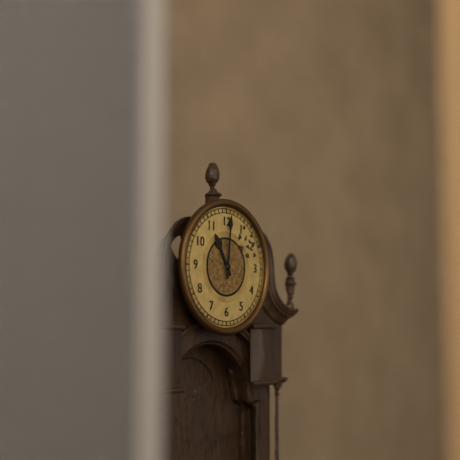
11:01
